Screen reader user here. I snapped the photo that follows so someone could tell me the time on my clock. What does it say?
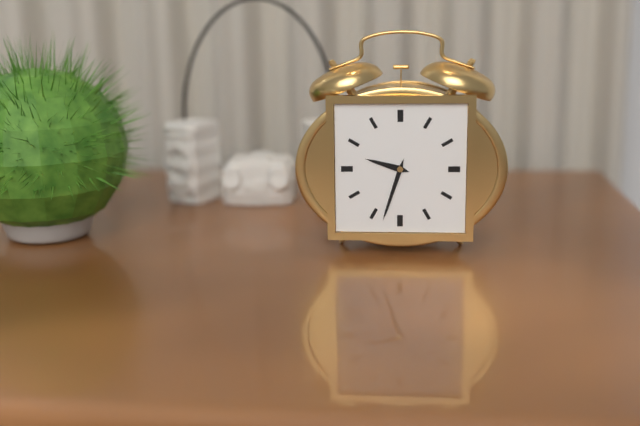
9:33
